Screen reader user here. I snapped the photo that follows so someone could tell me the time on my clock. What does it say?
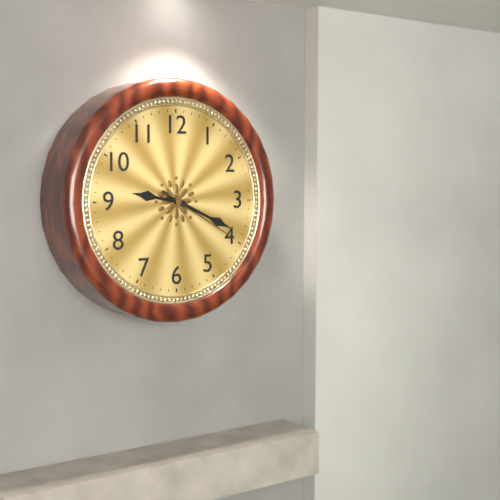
9:19:20
